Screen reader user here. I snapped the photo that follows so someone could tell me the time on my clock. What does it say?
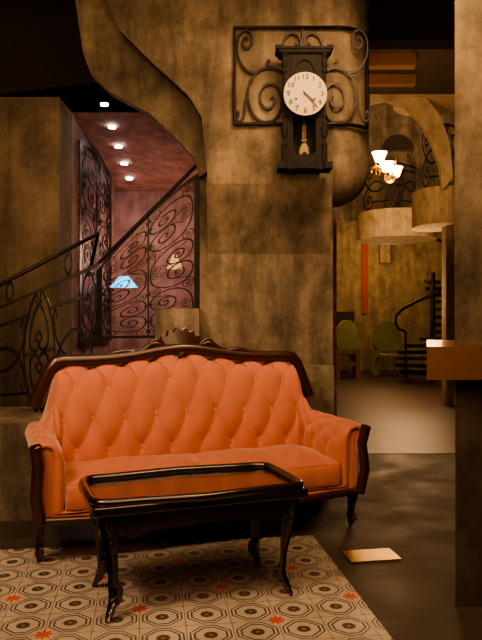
4:23
